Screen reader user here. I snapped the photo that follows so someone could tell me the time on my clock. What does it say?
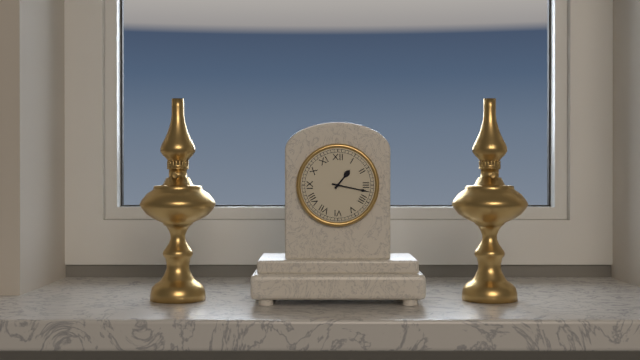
1:17
